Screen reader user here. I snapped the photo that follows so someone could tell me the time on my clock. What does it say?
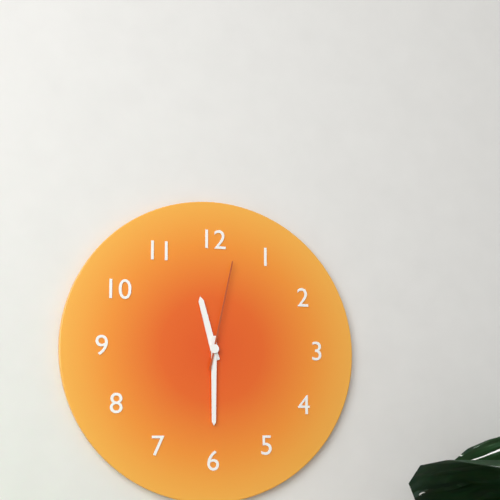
11:30:02
